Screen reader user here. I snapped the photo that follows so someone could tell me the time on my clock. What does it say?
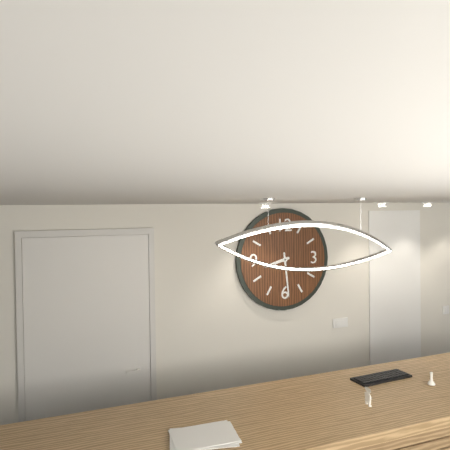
8:29
